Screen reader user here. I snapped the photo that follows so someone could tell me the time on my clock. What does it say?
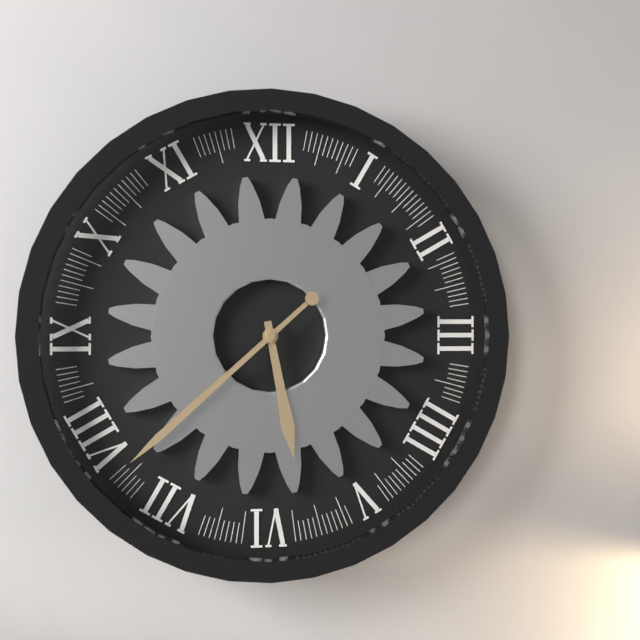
5:38
